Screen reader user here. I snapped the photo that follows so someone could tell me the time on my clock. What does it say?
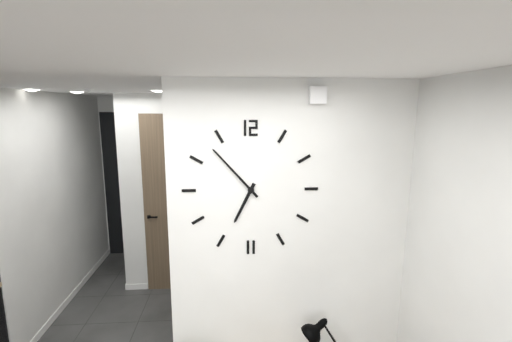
6:53
